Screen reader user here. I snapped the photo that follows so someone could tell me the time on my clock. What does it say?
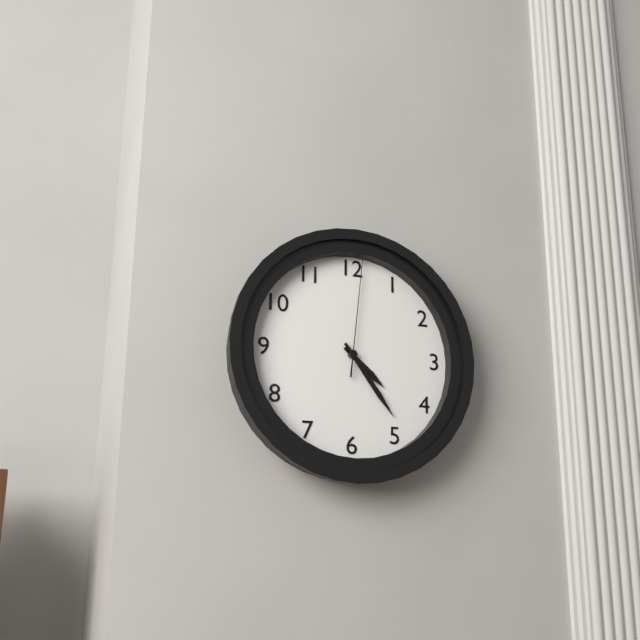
4:24:01
